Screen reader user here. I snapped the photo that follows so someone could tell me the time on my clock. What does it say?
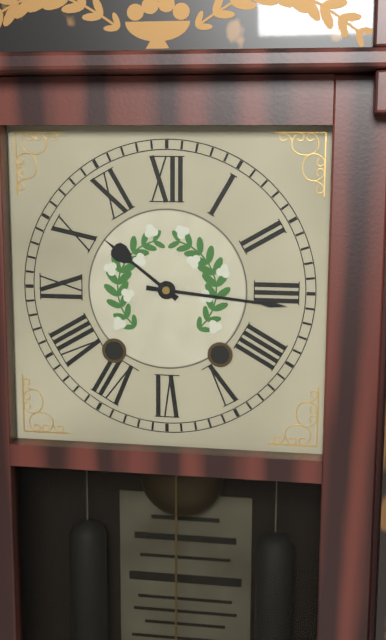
10:16
